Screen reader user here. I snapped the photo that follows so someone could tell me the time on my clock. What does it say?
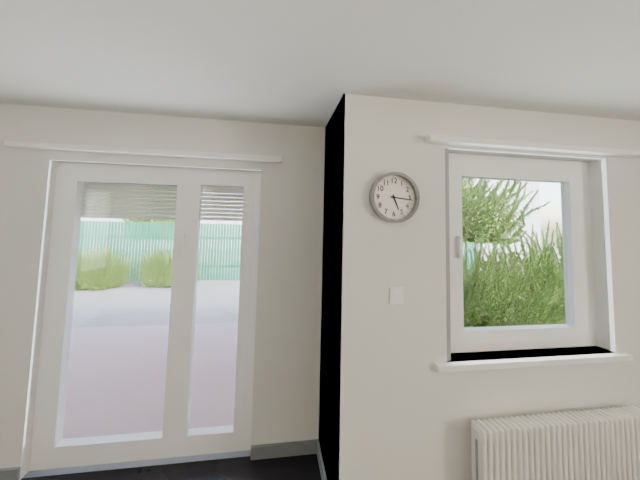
5:16
